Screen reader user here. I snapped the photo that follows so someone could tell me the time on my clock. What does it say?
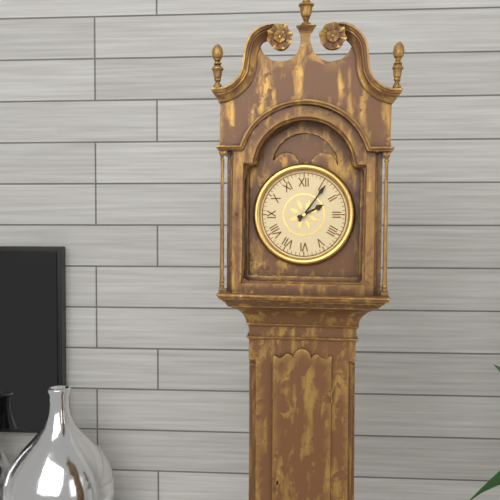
2:06
